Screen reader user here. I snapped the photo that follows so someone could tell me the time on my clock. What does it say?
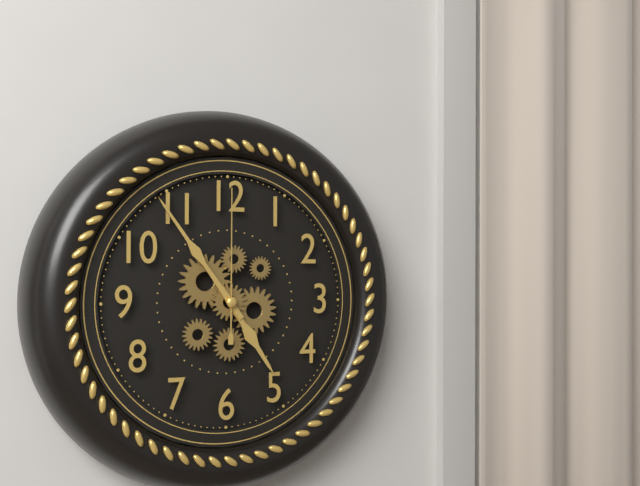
4:54:00
